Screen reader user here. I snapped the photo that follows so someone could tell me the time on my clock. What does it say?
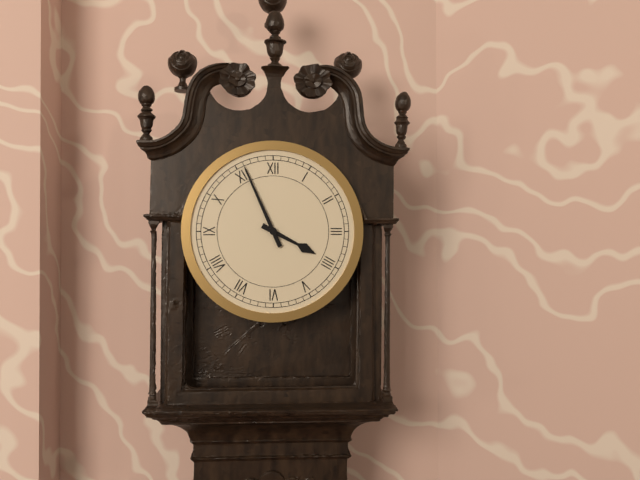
3:56
